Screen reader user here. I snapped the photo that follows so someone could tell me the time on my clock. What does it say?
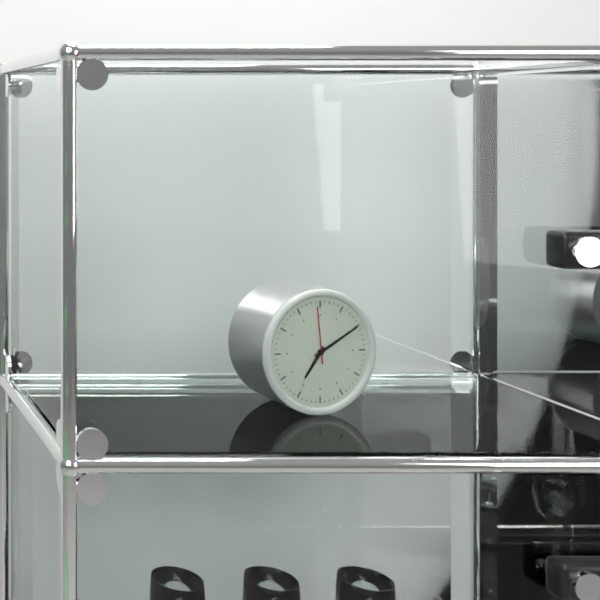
7:10:59
